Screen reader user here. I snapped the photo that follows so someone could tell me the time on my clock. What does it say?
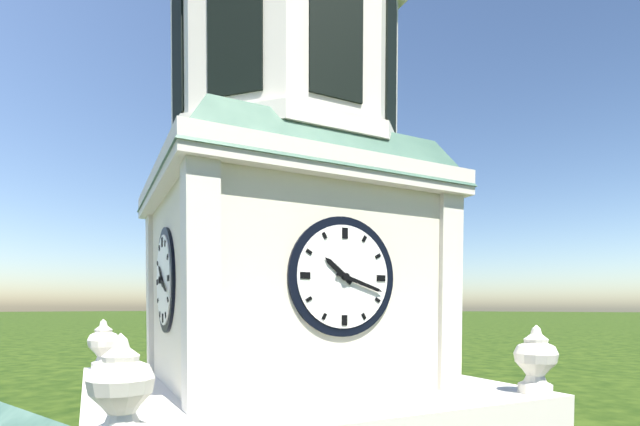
10:18
